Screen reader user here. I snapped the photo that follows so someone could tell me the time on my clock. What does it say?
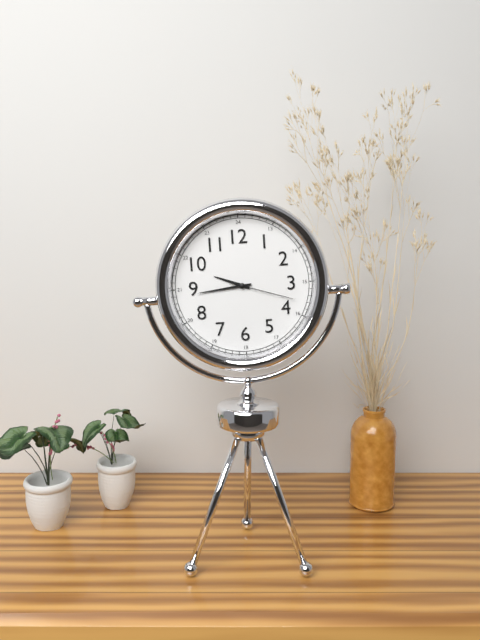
9:44:18
